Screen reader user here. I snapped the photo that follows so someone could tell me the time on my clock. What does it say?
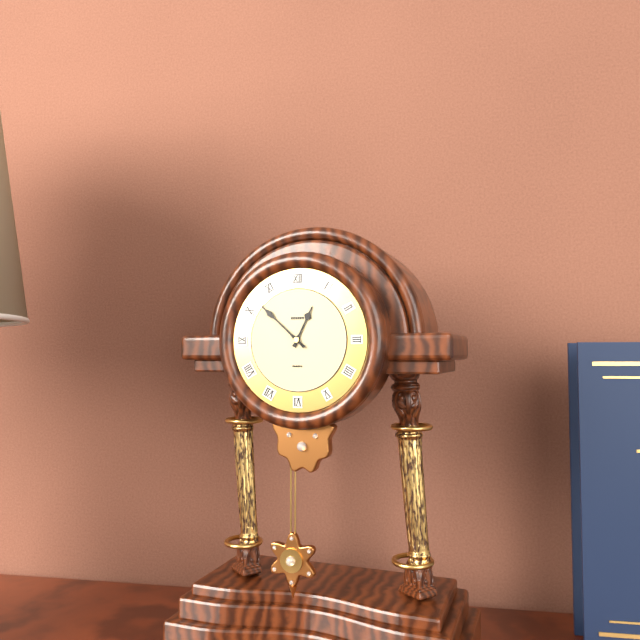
12:52
